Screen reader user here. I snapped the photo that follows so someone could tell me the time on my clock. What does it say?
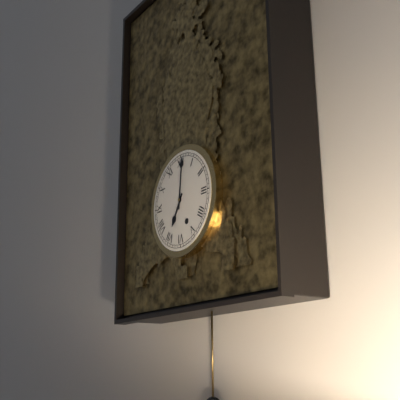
7:01
